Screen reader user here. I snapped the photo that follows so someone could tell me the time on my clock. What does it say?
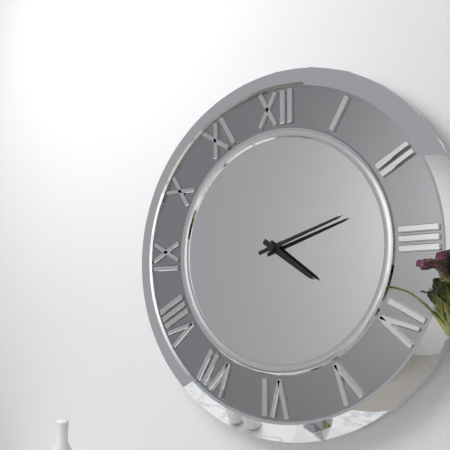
4:12
